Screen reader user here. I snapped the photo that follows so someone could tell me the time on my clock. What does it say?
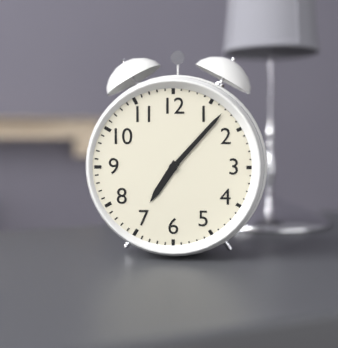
7:07
